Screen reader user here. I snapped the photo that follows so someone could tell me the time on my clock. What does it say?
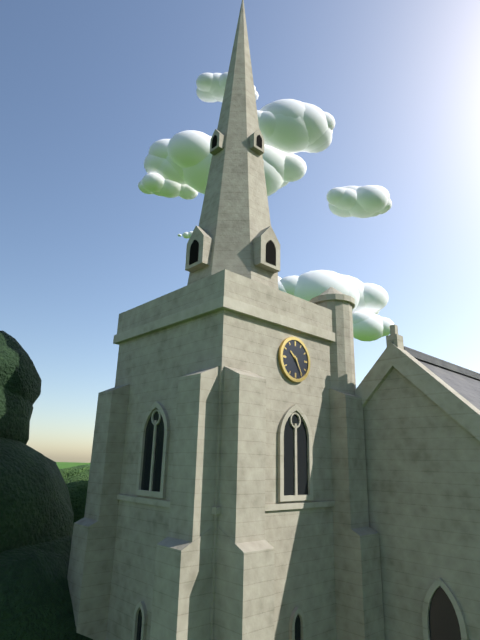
10:25
